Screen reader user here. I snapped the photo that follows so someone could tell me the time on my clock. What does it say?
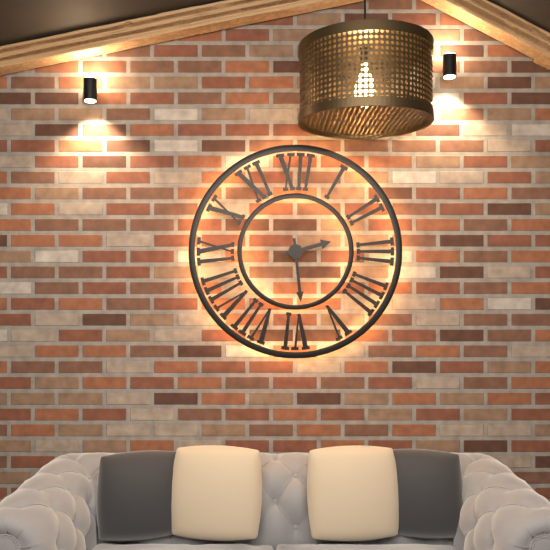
2:29
